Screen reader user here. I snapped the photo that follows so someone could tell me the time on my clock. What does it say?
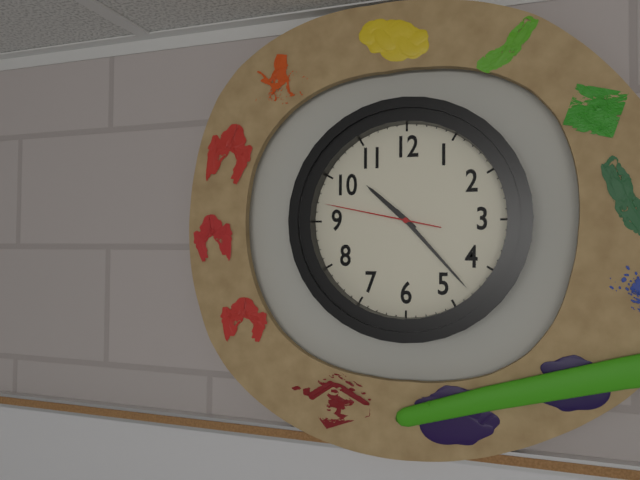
10:23:47
